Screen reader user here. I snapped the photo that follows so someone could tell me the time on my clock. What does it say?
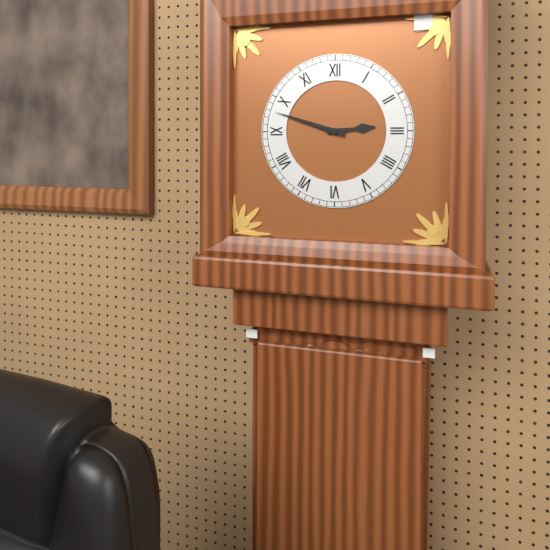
2:48
